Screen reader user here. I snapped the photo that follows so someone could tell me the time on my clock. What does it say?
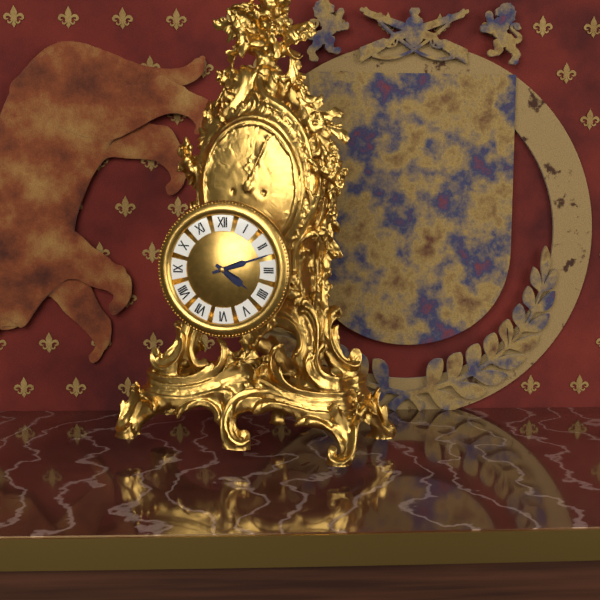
4:12
